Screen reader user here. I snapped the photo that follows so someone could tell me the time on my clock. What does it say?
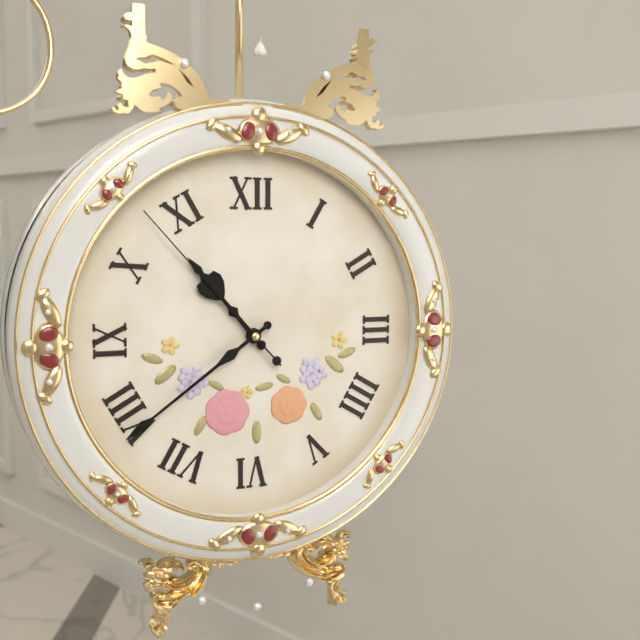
10:39:53
